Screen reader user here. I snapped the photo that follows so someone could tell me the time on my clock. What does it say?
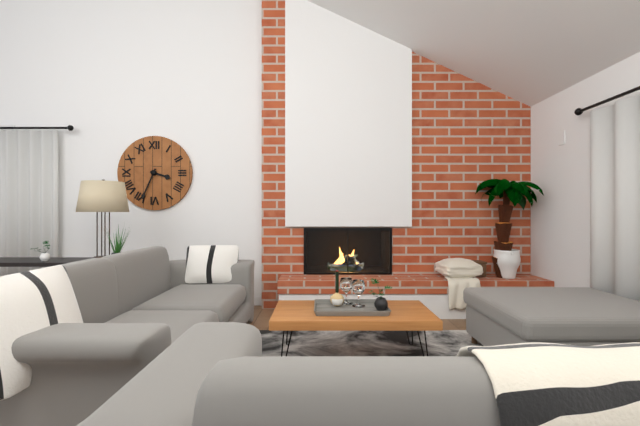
3:34
